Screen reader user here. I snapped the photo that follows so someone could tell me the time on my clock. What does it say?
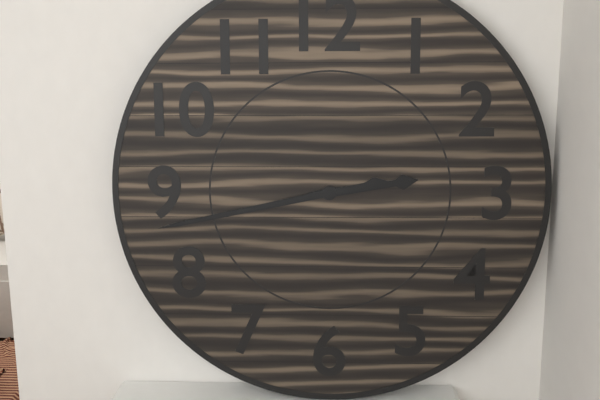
2:43
